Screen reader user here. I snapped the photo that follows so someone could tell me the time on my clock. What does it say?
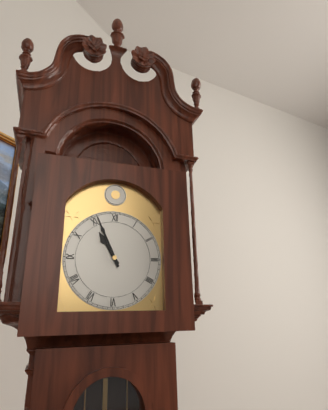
10:56
